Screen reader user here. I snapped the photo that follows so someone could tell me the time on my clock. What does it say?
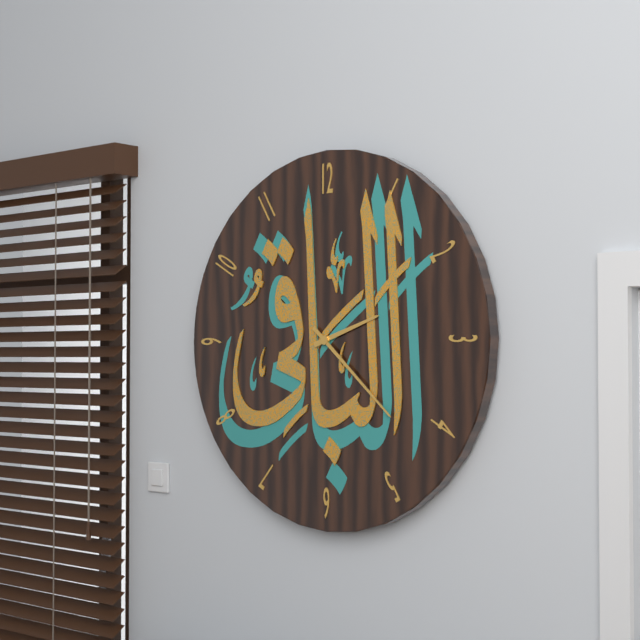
2:22
